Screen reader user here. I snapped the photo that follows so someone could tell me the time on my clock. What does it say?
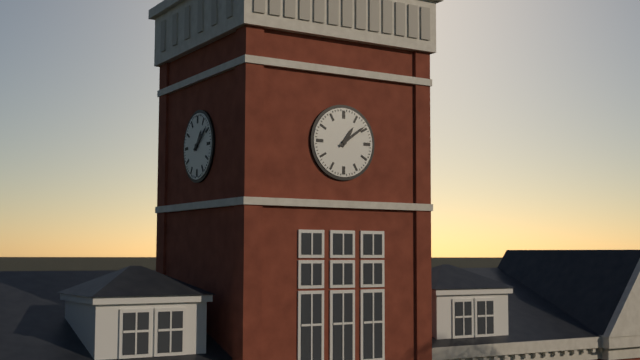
1:09
